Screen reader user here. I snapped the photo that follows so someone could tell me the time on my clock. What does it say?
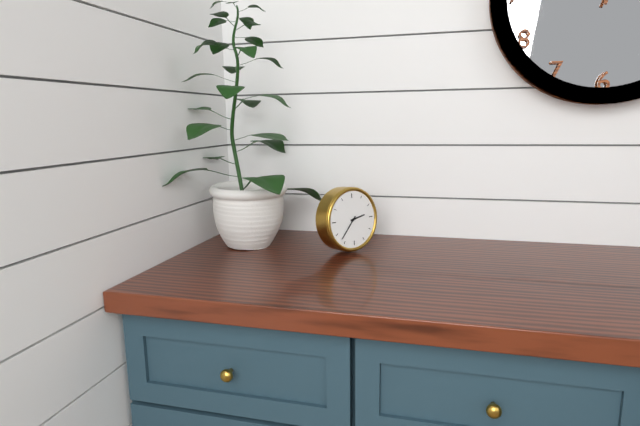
2:37
